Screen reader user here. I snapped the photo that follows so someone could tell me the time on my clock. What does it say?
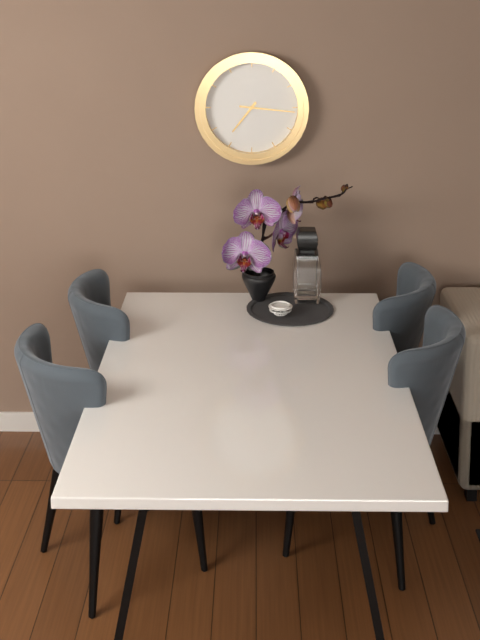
7:16
